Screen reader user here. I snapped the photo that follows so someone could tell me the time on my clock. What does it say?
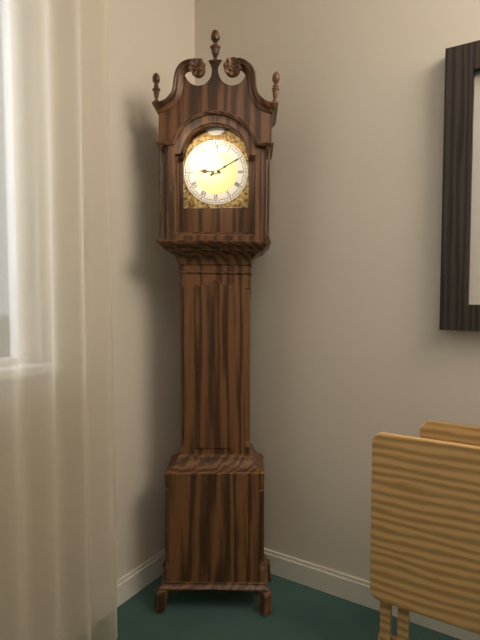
9:10
